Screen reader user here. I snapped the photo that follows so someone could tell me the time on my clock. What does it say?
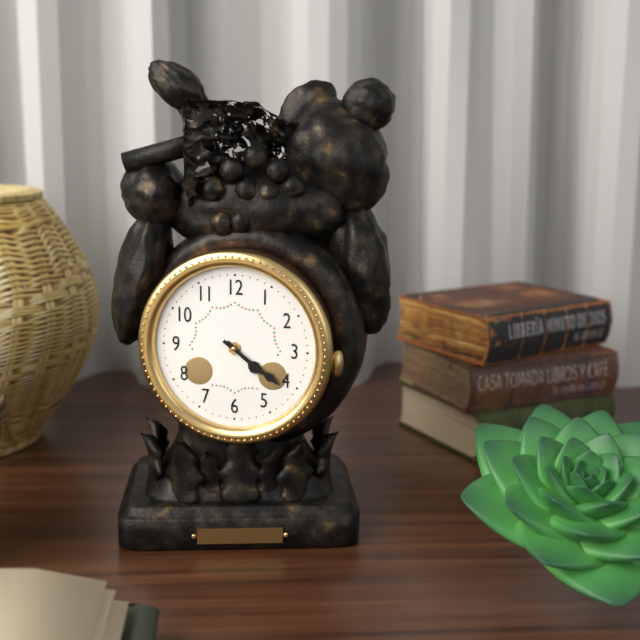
4:21
